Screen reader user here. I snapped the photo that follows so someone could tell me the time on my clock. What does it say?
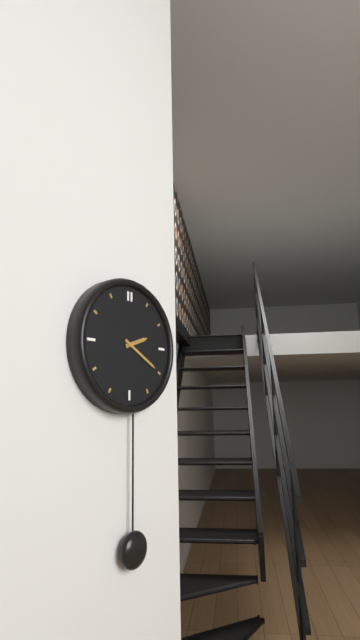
2:20
